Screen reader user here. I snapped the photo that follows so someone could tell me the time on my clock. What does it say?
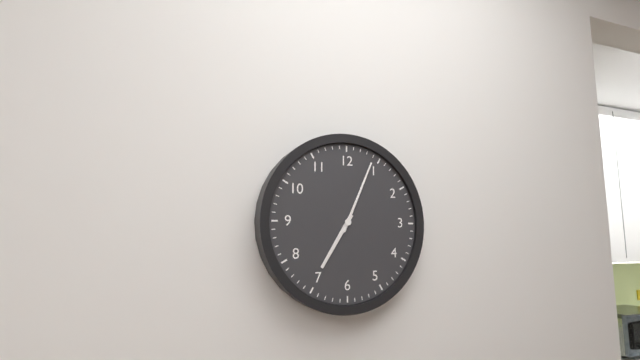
7:04
